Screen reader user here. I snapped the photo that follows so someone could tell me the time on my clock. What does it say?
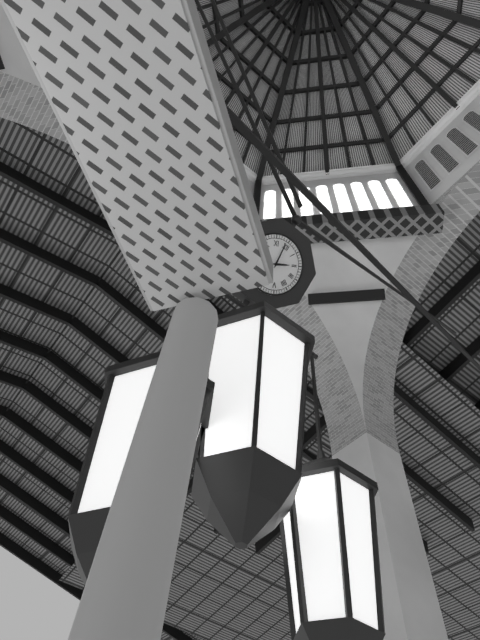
1:59
